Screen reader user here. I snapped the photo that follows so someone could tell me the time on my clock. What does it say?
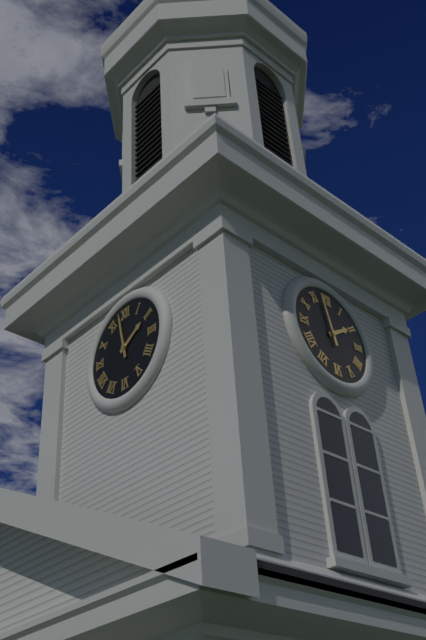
1:58
